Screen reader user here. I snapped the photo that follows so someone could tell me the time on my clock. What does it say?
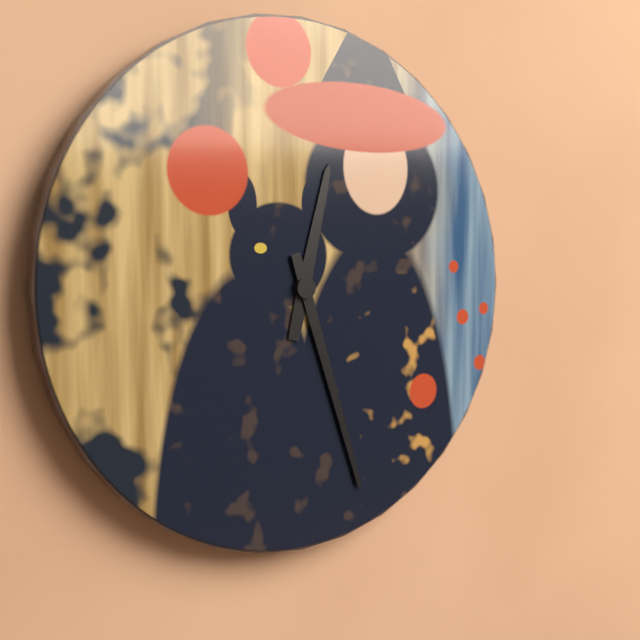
12:27
